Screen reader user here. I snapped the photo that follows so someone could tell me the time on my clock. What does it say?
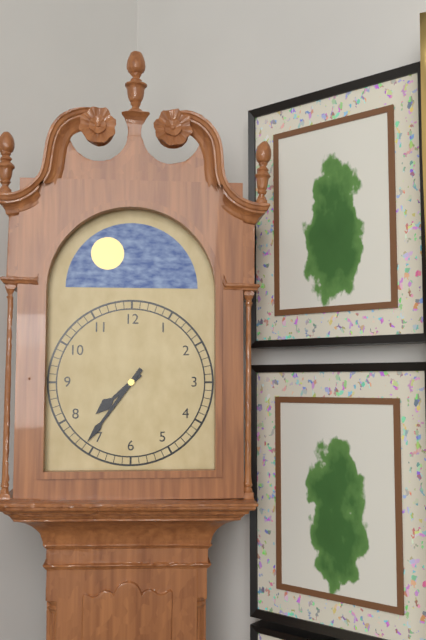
7:36
